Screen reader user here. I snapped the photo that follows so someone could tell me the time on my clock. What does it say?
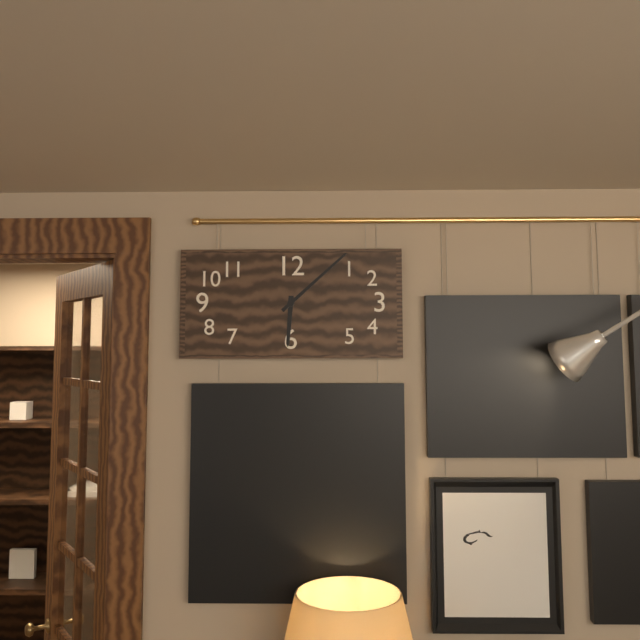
6:08
